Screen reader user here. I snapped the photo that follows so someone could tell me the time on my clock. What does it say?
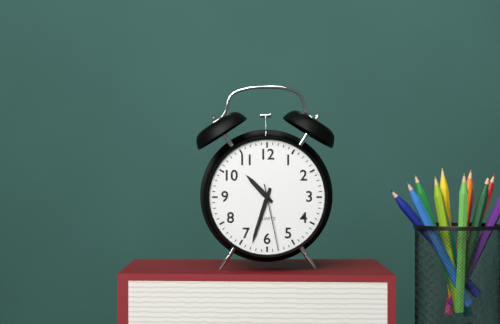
10:33:28
